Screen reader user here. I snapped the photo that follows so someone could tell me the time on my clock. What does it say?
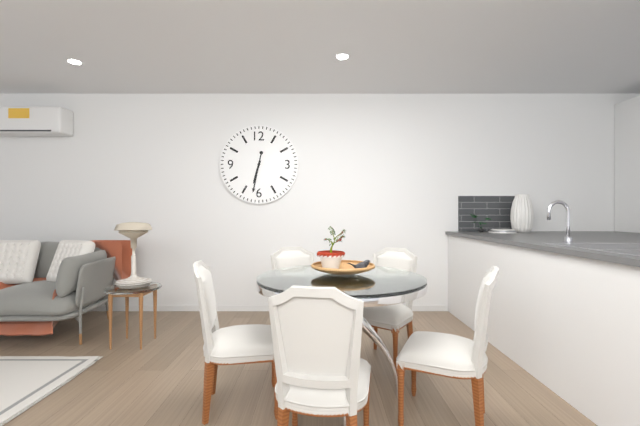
6:32
